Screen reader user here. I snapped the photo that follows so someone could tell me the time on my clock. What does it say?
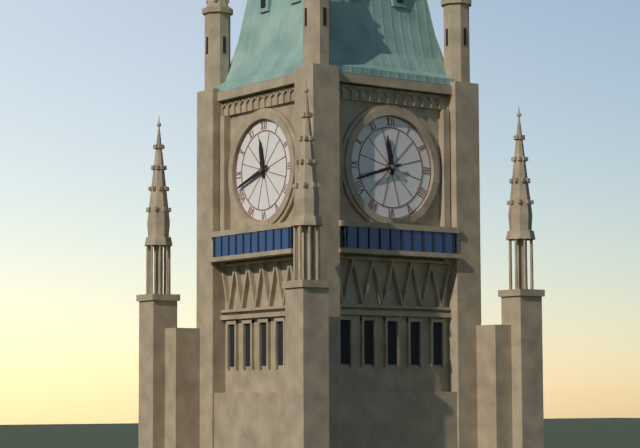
11:42
